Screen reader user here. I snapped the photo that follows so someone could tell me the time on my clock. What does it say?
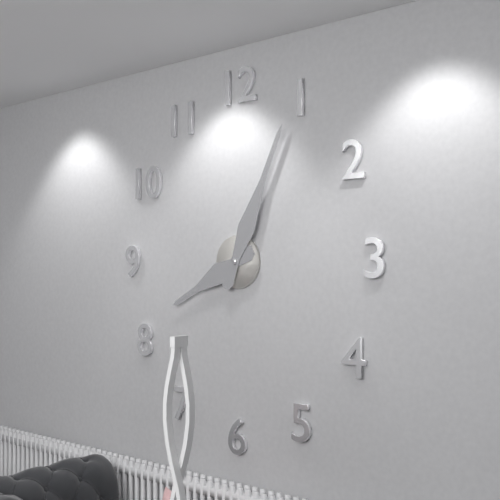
8:04
